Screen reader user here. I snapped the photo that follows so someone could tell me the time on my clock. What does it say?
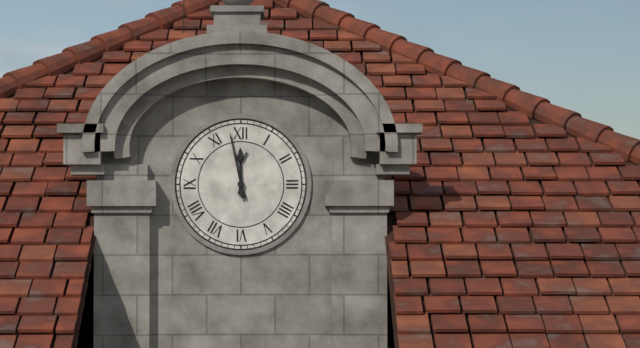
11:58
